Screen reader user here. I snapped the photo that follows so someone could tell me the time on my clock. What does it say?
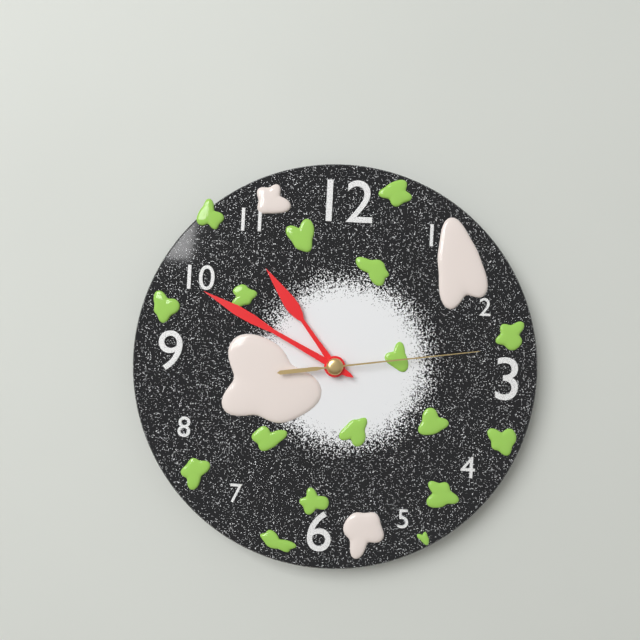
10:50:14
